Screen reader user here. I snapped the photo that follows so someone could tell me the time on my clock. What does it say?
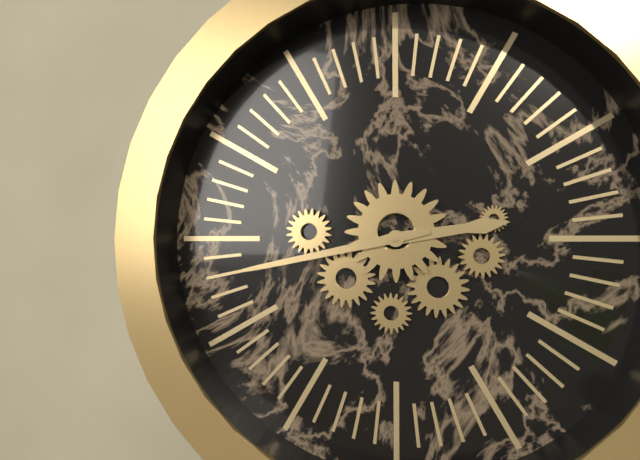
2:43
